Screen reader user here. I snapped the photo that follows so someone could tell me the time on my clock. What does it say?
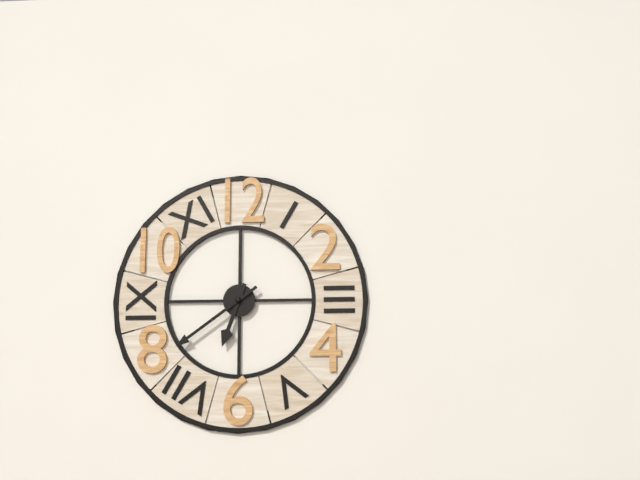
6:39
